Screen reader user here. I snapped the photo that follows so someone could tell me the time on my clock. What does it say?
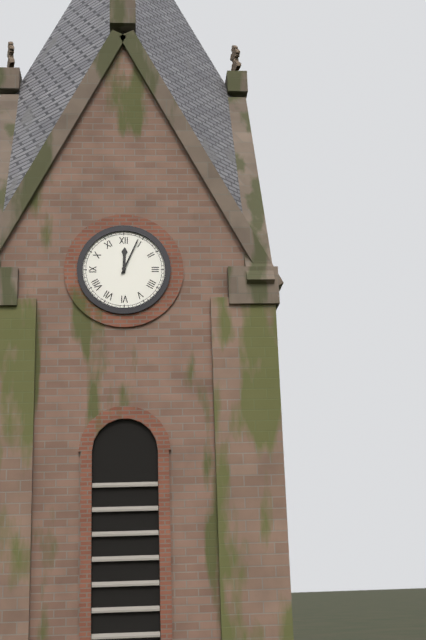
12:04
